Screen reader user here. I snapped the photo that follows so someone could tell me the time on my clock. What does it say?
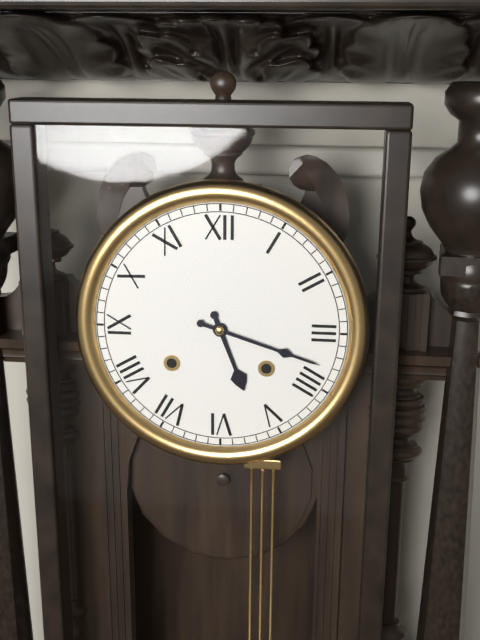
5:18
